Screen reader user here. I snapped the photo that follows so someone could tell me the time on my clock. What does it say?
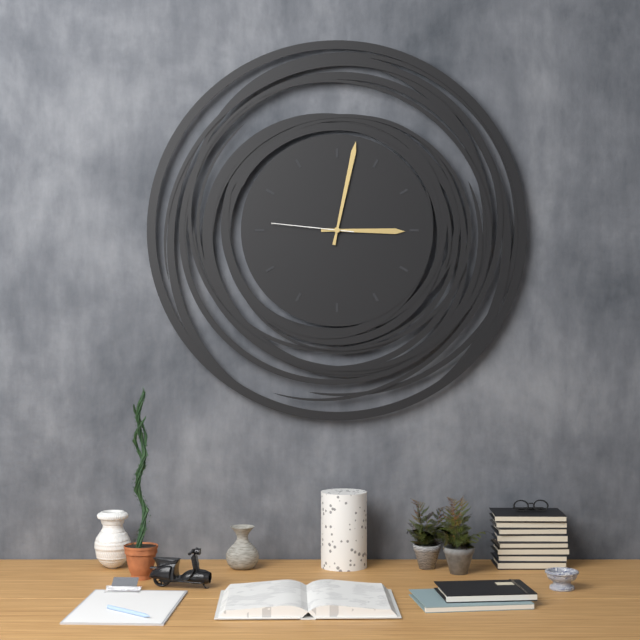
3:02:46
